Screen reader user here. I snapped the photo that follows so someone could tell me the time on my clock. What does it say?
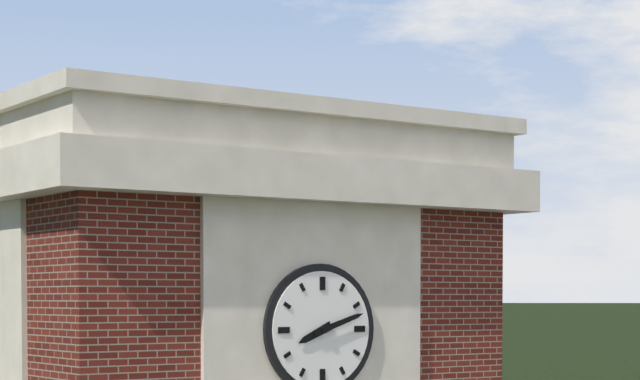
8:12
